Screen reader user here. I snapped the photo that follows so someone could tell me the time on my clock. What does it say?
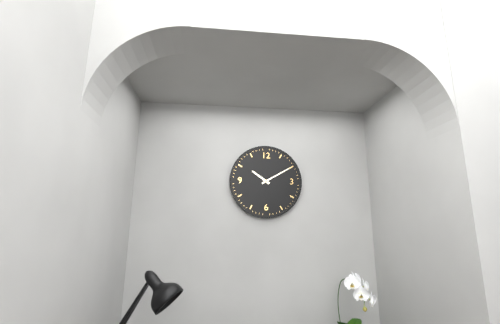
10:10
